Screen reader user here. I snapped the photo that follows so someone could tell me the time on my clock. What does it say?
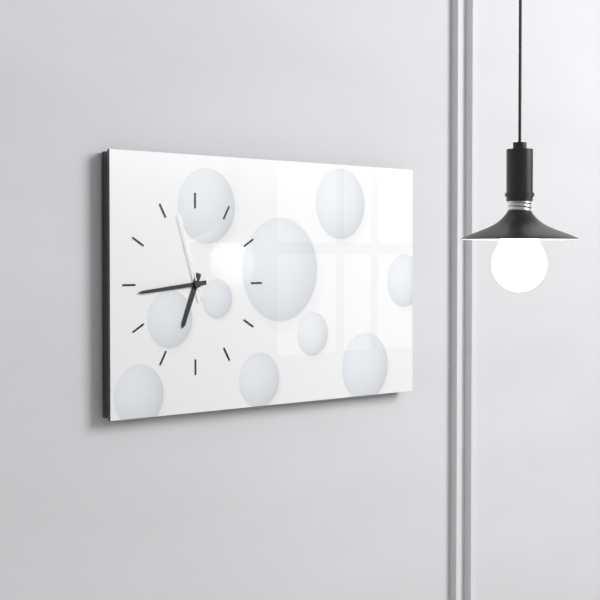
6:44:57
